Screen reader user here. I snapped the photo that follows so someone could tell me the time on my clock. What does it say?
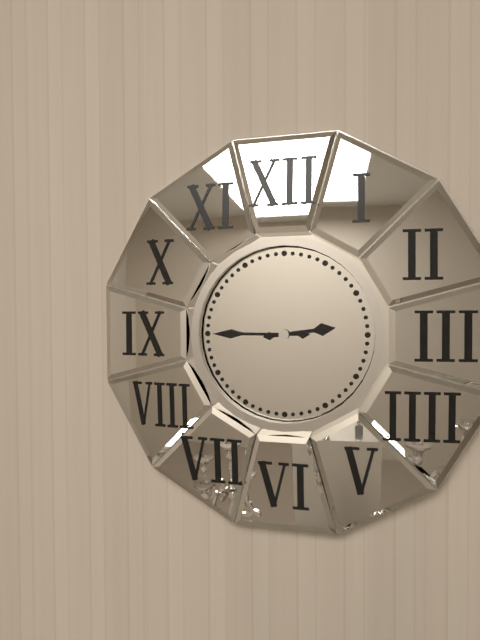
2:45
